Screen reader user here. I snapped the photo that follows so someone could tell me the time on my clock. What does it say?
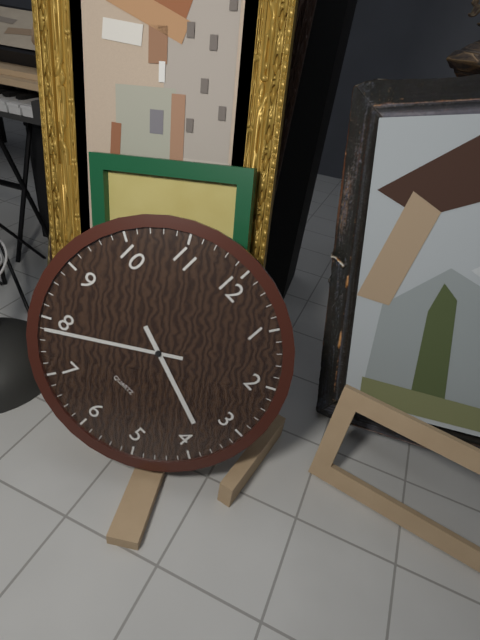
3:39
